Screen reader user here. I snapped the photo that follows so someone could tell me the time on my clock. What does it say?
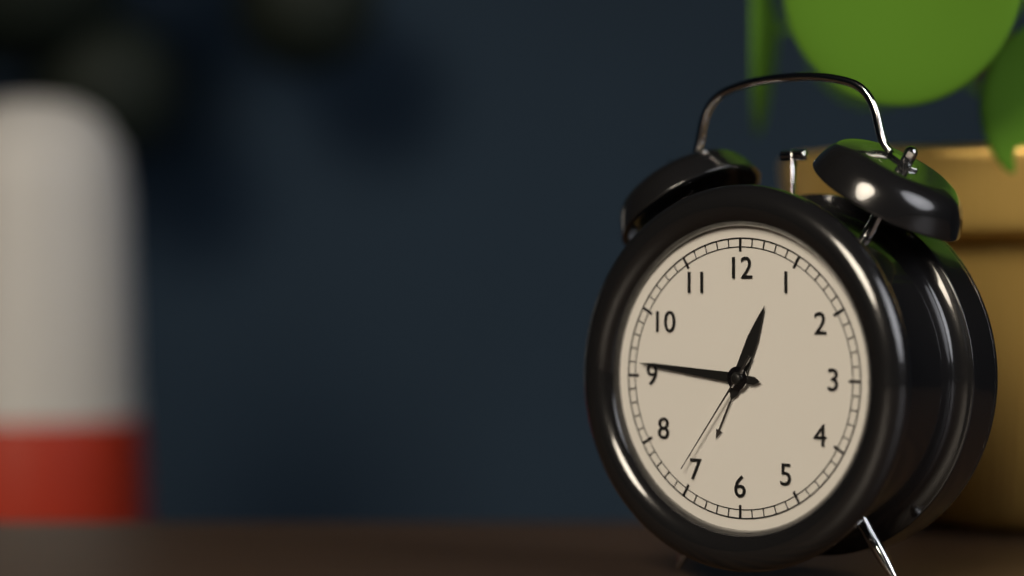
12:46:36
